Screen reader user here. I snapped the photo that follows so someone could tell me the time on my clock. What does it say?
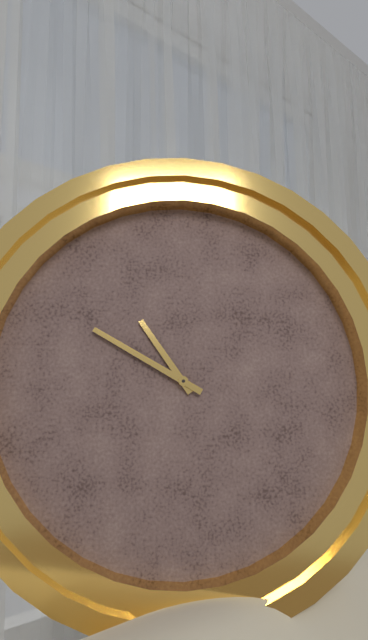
10:50
